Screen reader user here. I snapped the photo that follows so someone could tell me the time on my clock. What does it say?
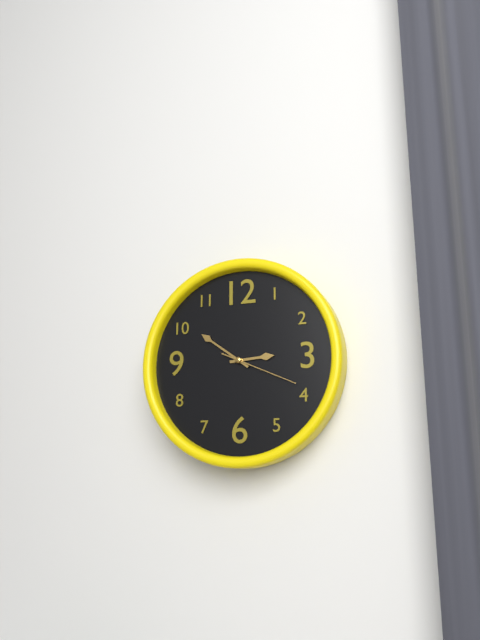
2:51:19
